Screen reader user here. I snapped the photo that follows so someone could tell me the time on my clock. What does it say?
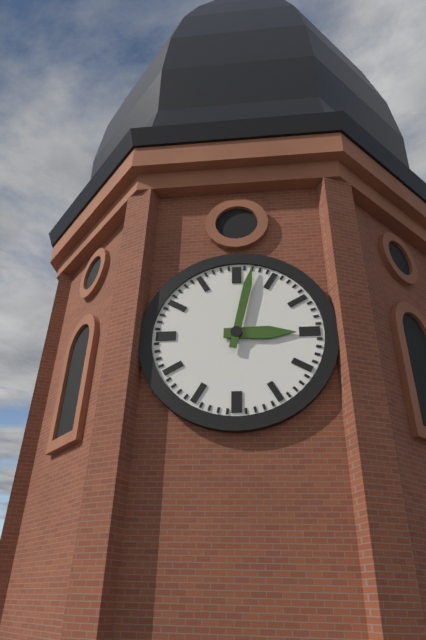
3:02
